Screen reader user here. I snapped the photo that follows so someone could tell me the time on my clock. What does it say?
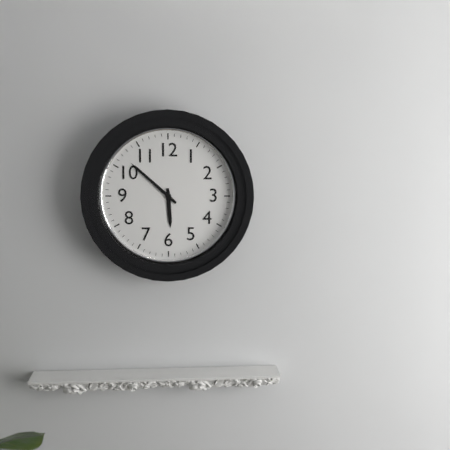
5:52
